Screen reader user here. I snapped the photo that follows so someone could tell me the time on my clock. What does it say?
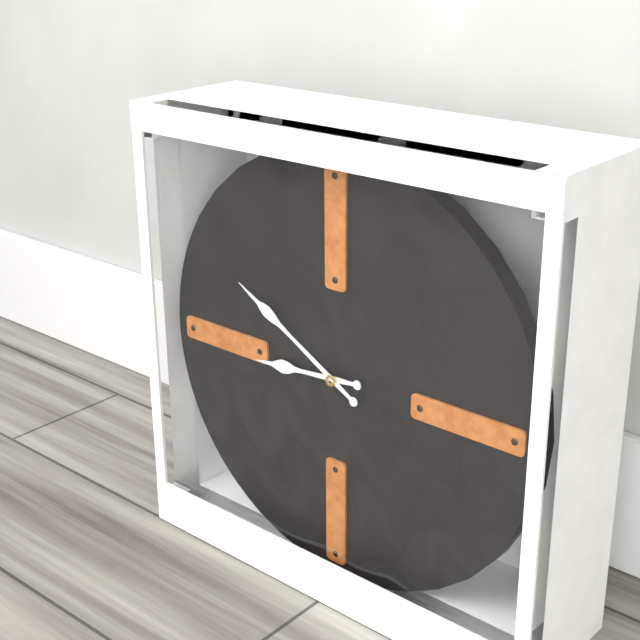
8:50
